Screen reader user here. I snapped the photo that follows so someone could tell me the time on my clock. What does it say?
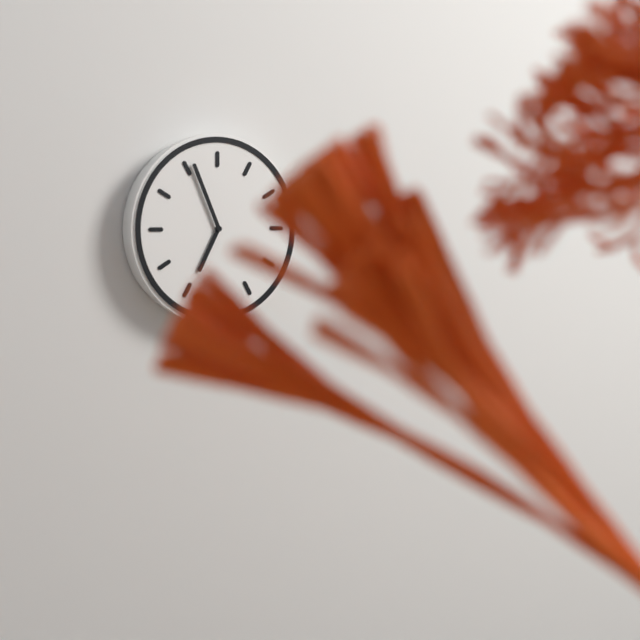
6:56
